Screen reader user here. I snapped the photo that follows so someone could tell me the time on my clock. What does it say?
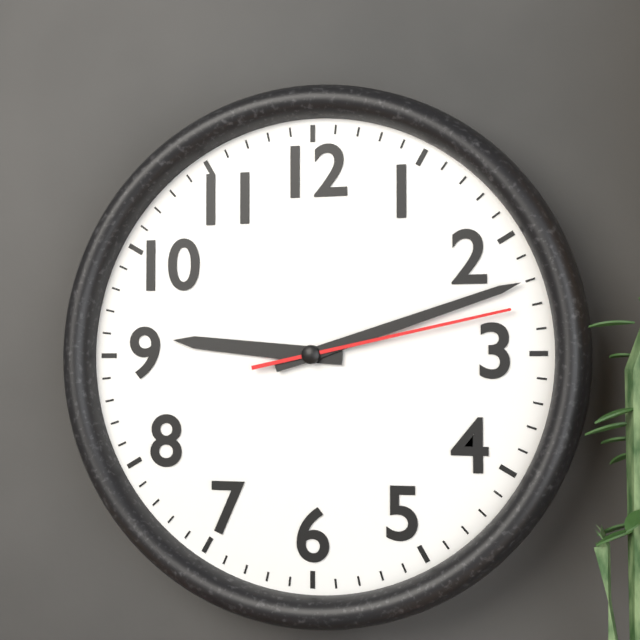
9:12:13
